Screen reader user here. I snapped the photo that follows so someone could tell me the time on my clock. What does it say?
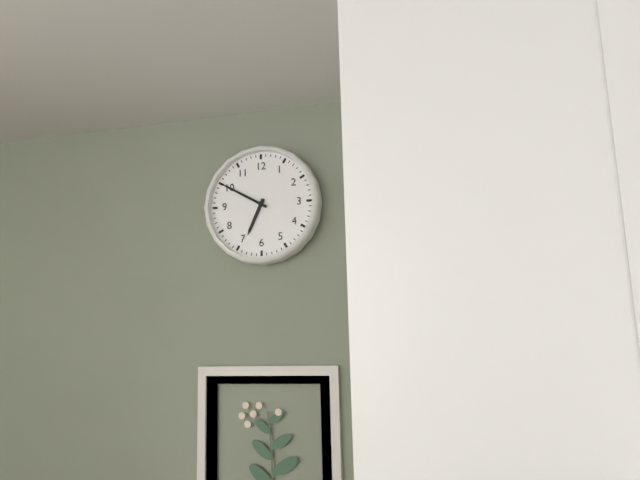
6:50
